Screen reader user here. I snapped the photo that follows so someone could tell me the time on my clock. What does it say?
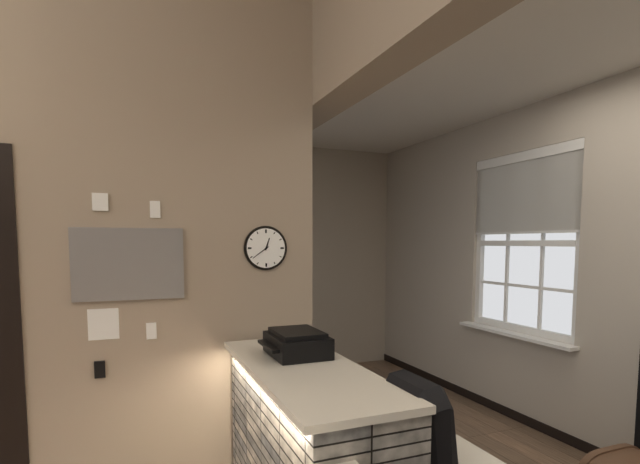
12:39
